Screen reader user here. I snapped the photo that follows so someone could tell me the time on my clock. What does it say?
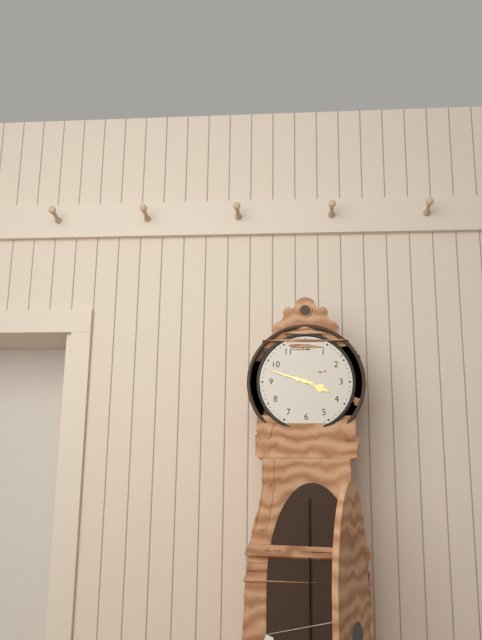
3:48
